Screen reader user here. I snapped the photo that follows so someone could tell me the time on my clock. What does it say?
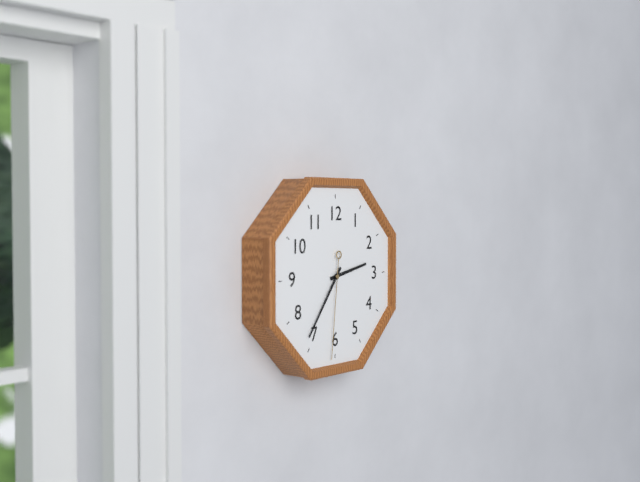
2:36:31
